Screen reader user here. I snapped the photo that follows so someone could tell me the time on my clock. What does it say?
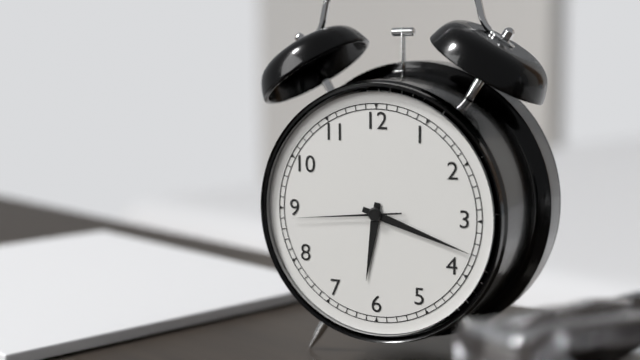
6:18:44
